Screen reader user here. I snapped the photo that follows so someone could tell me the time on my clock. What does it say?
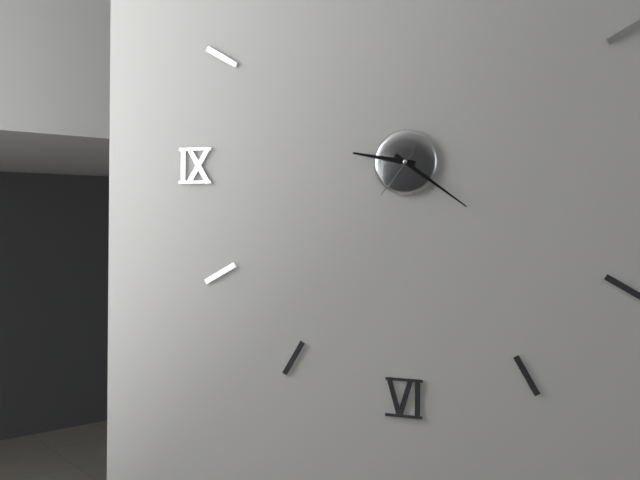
9:21:36
